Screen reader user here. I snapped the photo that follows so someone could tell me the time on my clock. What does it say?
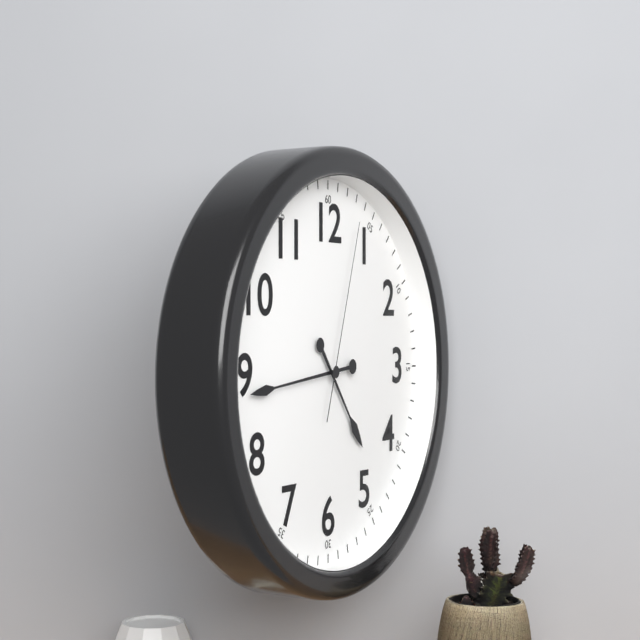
4:44:03
